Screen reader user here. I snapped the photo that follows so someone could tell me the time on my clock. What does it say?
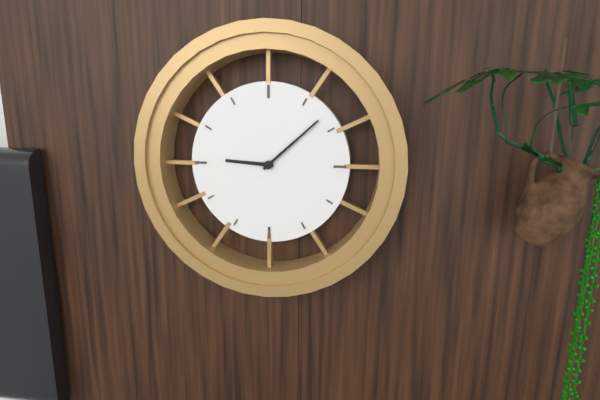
9:08
